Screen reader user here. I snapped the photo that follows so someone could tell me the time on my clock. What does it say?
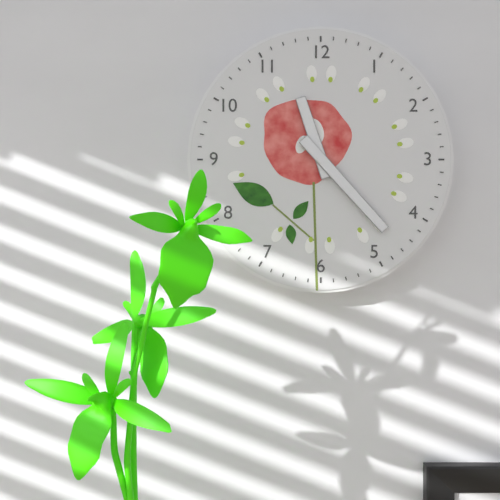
11:23
